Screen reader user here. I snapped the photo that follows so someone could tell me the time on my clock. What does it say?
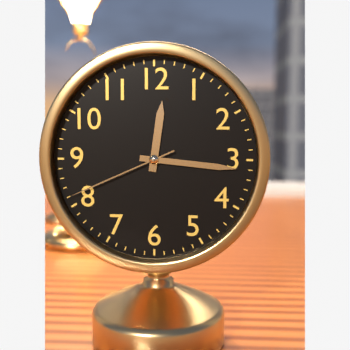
12:16:41
